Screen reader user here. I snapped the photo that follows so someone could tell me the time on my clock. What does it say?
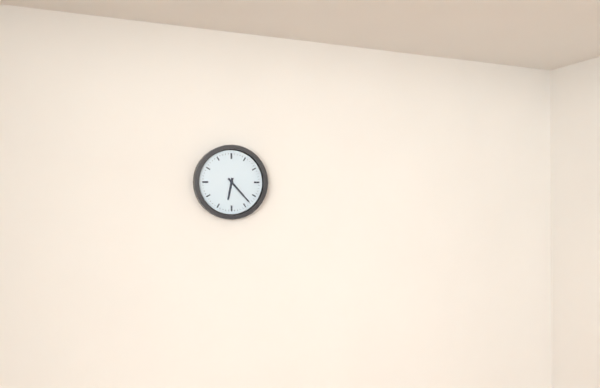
6:23
